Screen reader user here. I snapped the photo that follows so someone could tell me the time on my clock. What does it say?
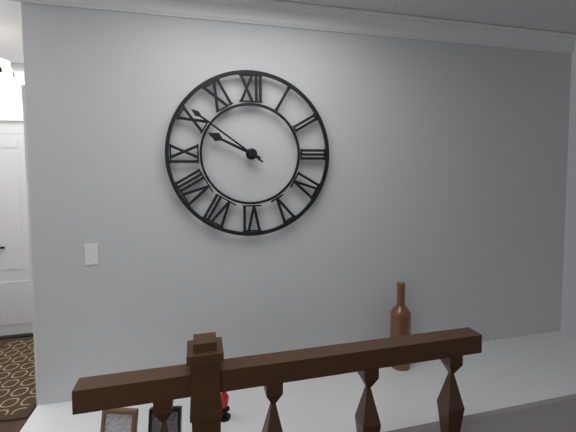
9:51
